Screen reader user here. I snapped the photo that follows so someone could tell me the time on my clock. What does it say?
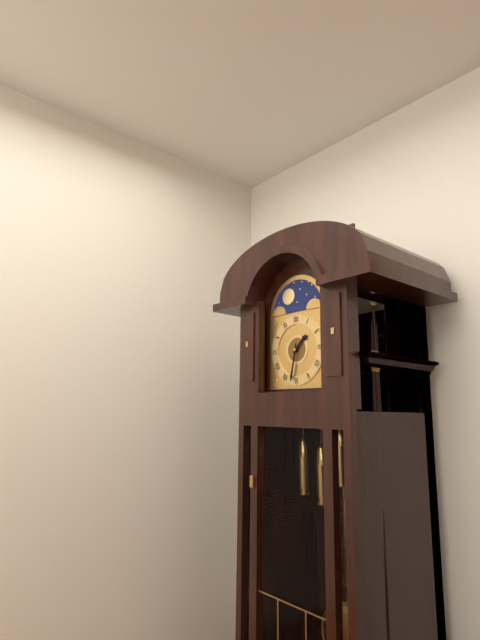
1:32
